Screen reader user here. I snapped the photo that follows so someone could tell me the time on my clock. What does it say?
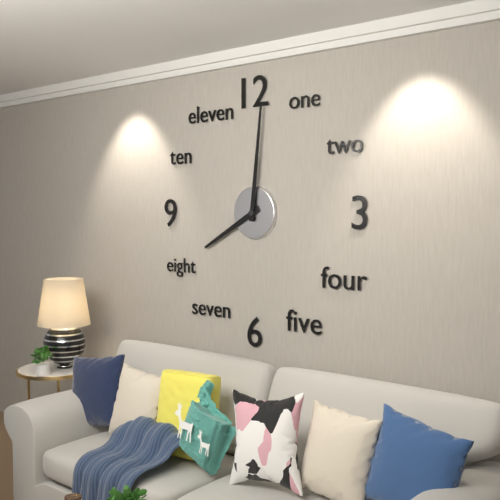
8:01
